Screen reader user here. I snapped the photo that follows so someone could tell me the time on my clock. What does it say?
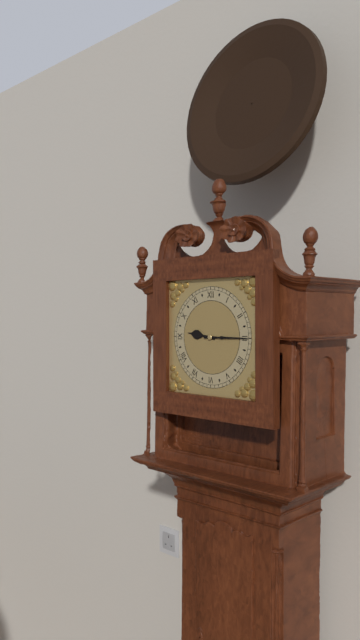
9:15
